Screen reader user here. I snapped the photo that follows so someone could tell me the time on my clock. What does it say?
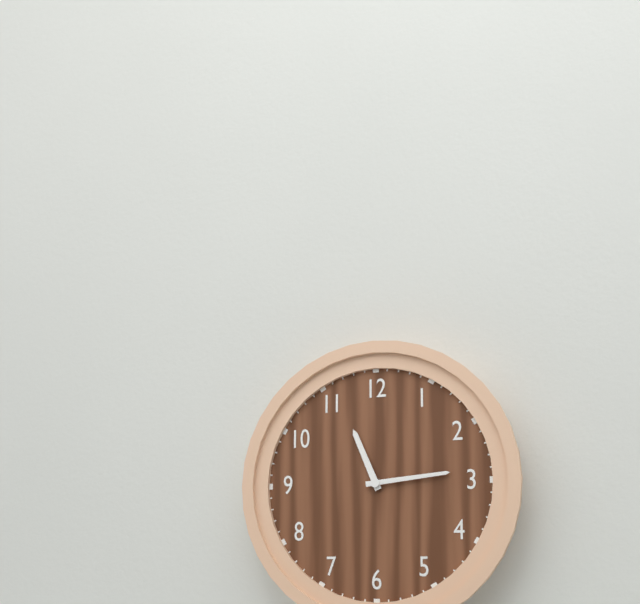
11:14
